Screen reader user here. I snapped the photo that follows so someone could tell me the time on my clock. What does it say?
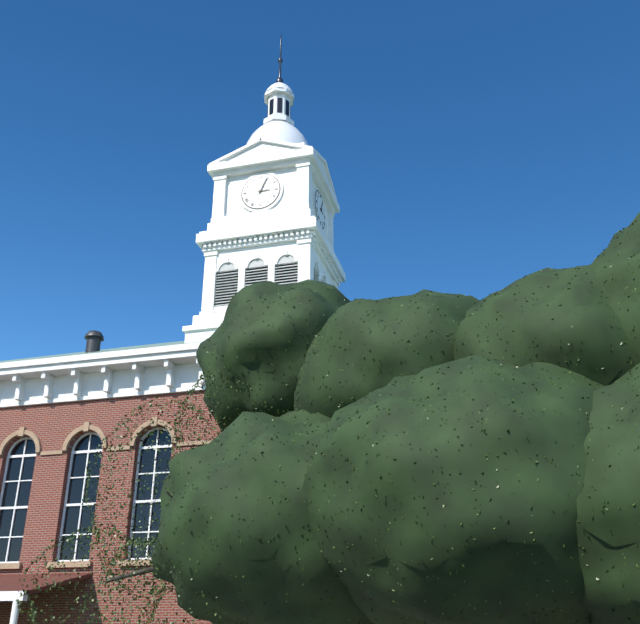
3:04
